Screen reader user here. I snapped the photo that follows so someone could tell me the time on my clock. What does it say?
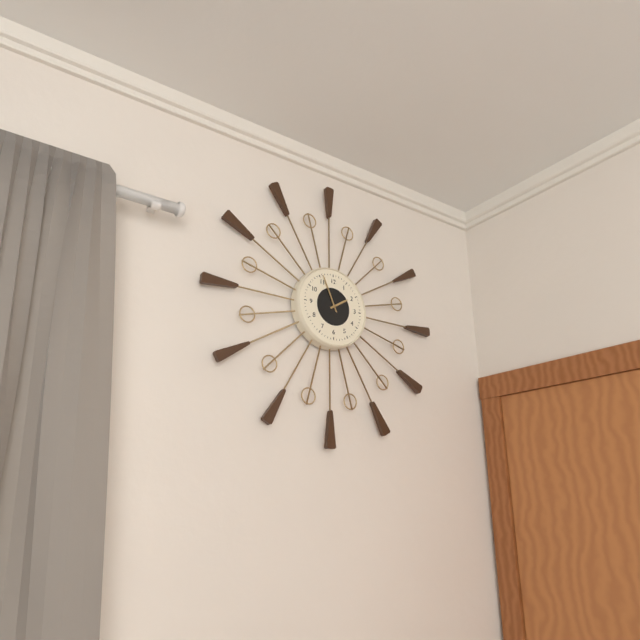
1:56
